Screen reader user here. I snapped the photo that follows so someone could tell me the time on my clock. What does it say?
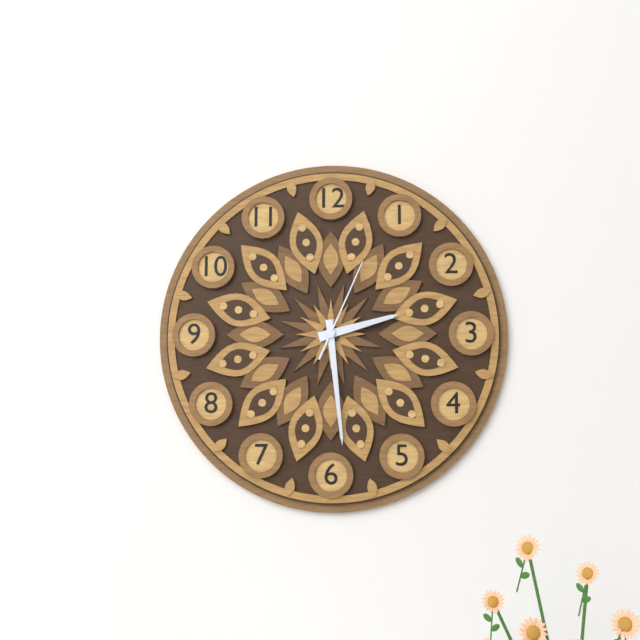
2:29:04
